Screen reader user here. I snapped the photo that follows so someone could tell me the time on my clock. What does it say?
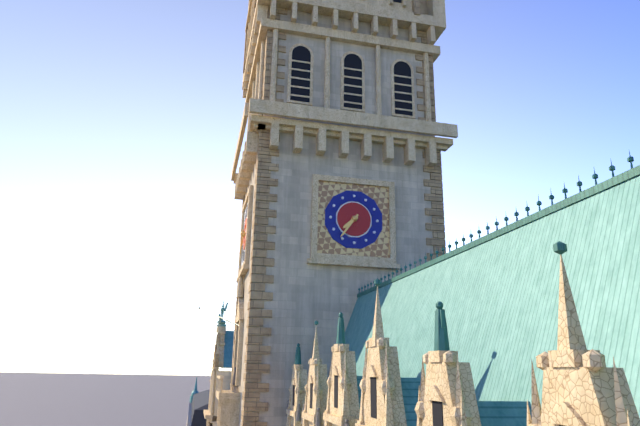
7:36
